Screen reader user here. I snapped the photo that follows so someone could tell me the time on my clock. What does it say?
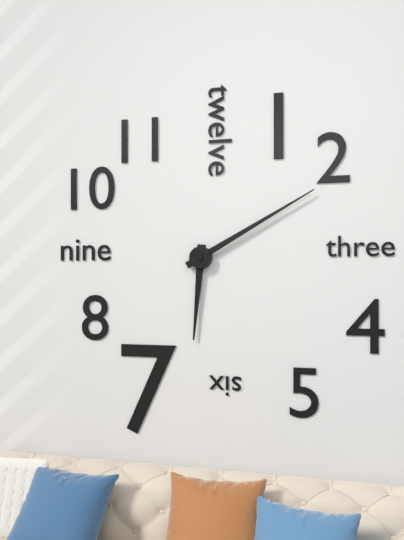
6:10
